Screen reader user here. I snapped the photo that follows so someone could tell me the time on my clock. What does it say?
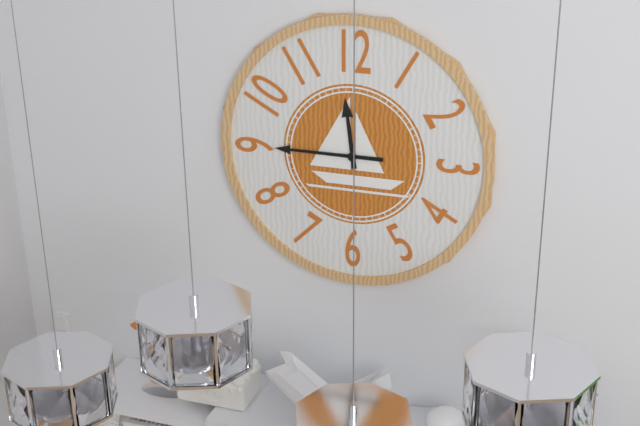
11:45
